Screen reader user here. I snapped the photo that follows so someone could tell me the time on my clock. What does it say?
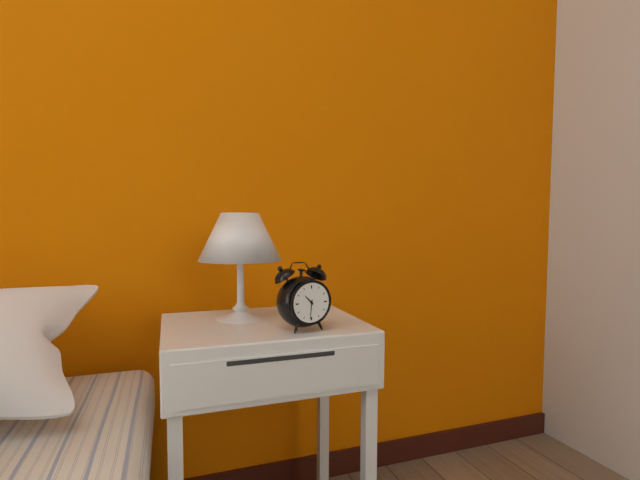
10:31
